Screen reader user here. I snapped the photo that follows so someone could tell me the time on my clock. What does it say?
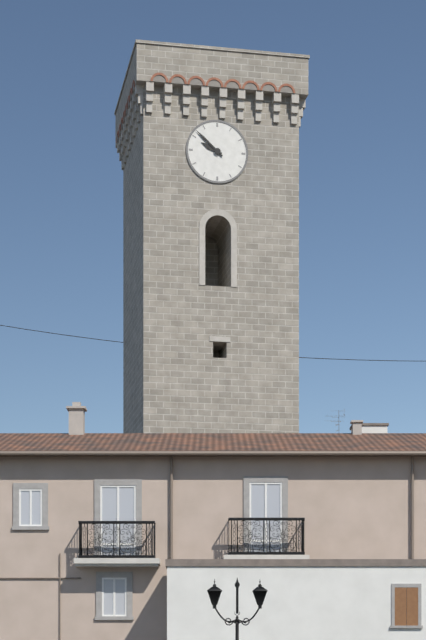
9:52
